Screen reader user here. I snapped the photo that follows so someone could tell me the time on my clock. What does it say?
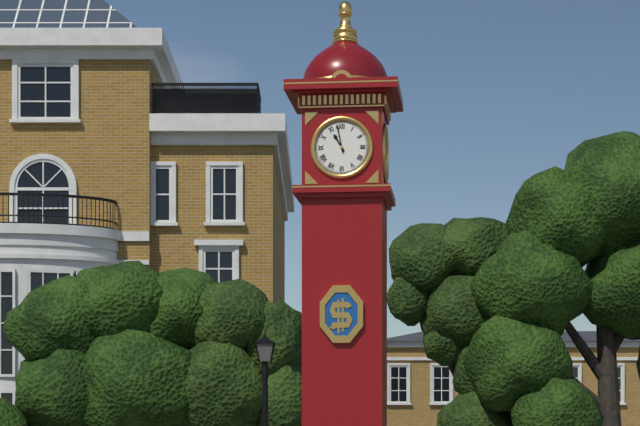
10:58
